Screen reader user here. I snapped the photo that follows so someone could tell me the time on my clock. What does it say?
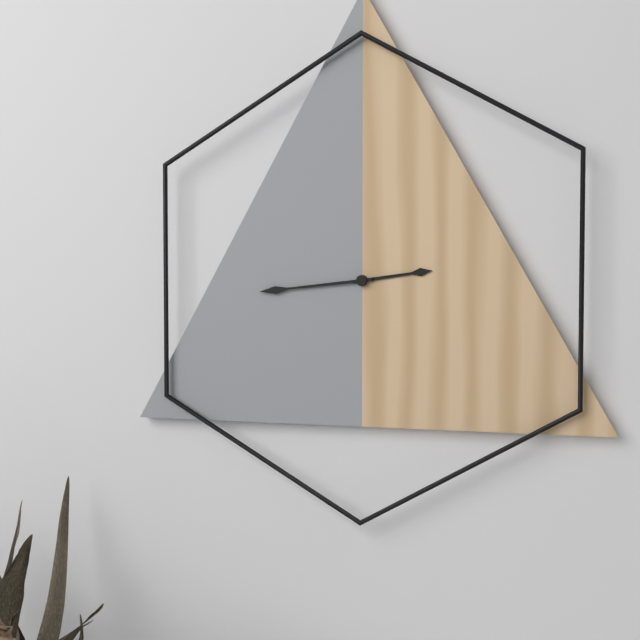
2:44
